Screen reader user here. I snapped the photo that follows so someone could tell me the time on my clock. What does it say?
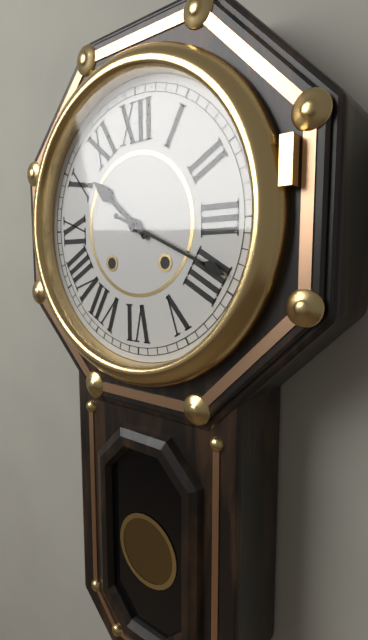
10:19
